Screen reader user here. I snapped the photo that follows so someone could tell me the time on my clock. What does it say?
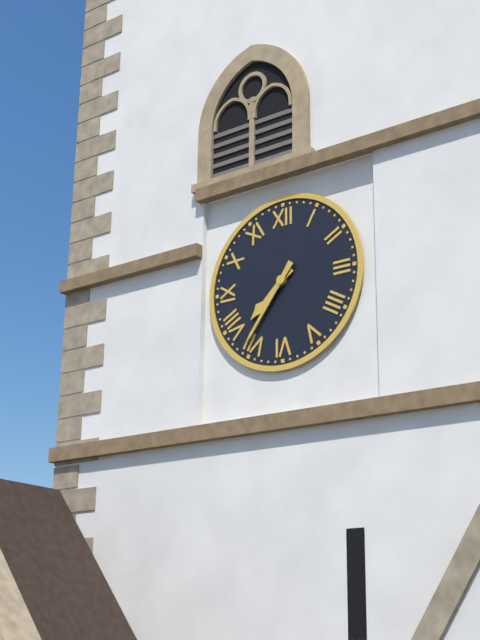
7:36
